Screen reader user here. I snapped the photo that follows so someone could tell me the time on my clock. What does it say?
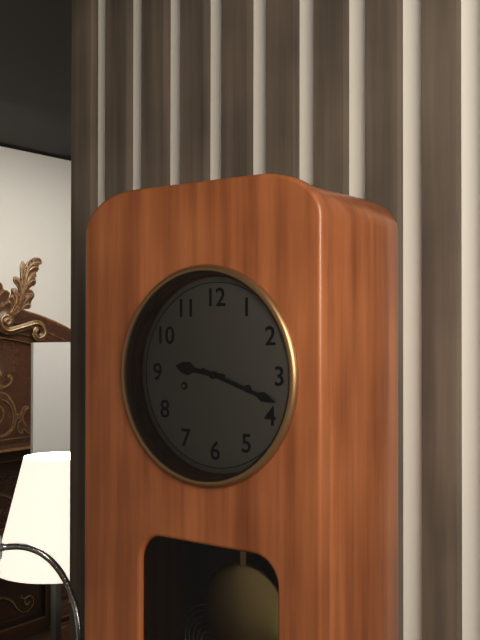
9:18
